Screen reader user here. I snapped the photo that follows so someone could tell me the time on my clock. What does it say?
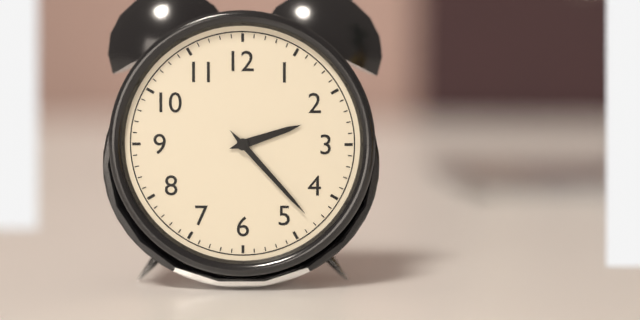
2:23
